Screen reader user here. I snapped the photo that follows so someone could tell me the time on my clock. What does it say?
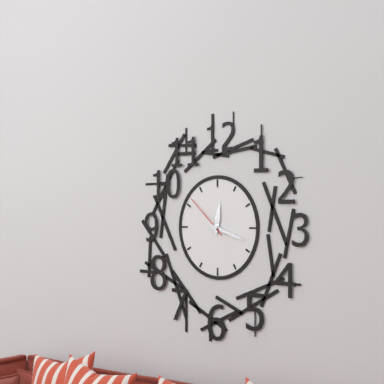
12:18
